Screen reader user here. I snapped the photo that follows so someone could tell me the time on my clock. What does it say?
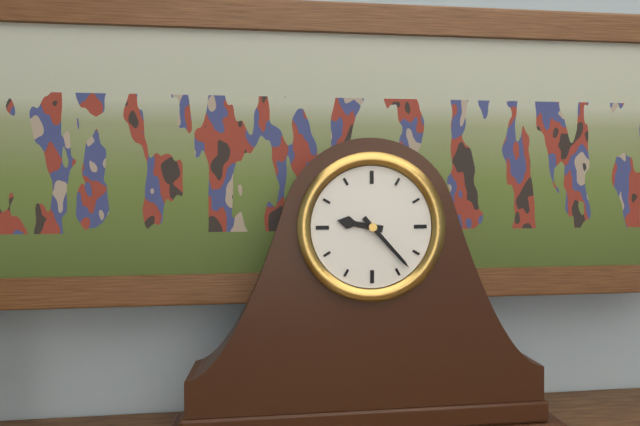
9:23
